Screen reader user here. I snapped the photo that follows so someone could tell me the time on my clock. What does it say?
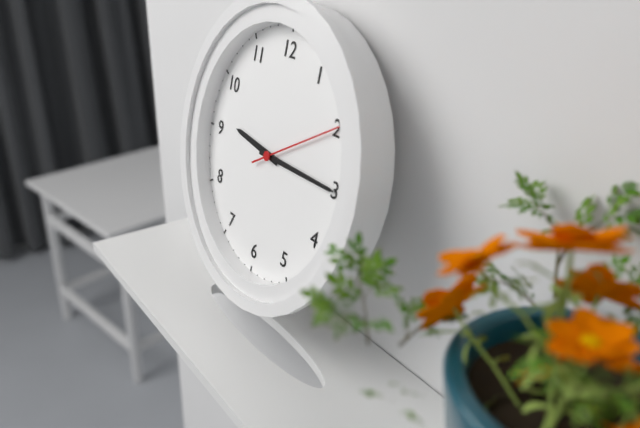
9:15:10
